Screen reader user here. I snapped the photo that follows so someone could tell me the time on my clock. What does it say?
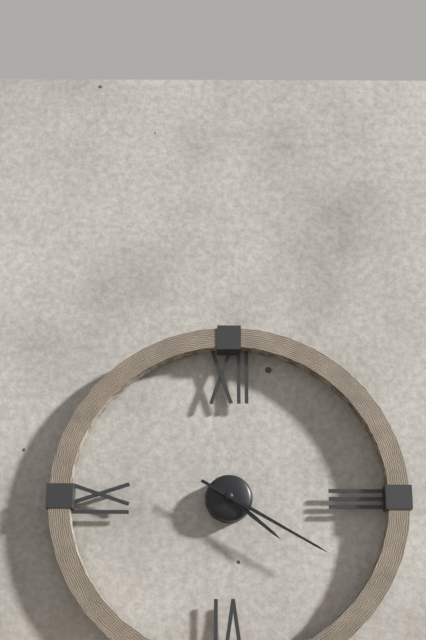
4:20
